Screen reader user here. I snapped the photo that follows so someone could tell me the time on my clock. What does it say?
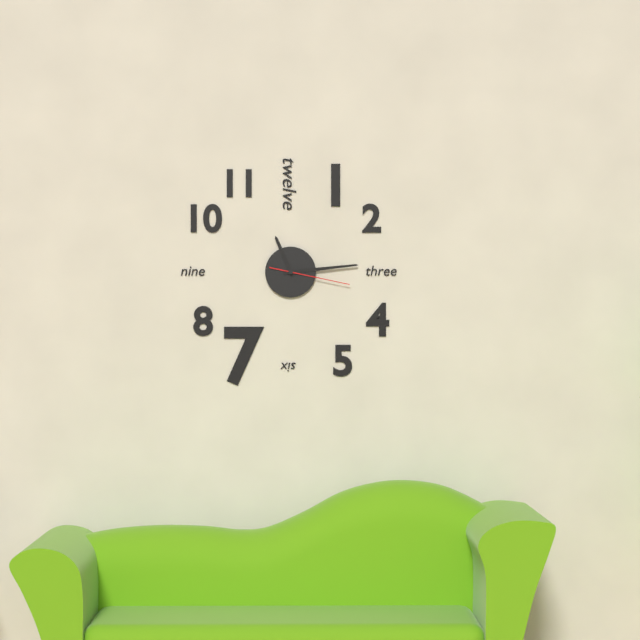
11:14:17
